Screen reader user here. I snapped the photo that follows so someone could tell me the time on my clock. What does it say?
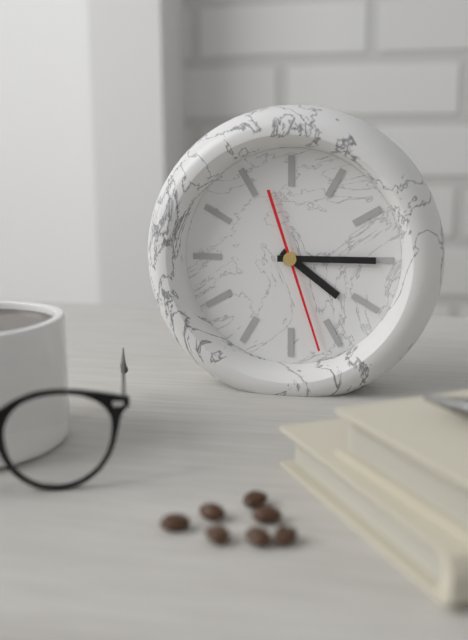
4:15:27
